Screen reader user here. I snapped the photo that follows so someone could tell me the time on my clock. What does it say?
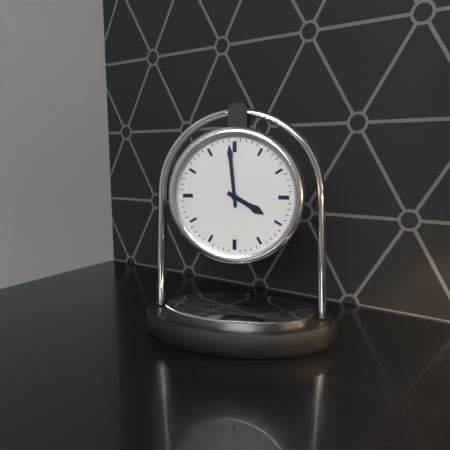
3:59
